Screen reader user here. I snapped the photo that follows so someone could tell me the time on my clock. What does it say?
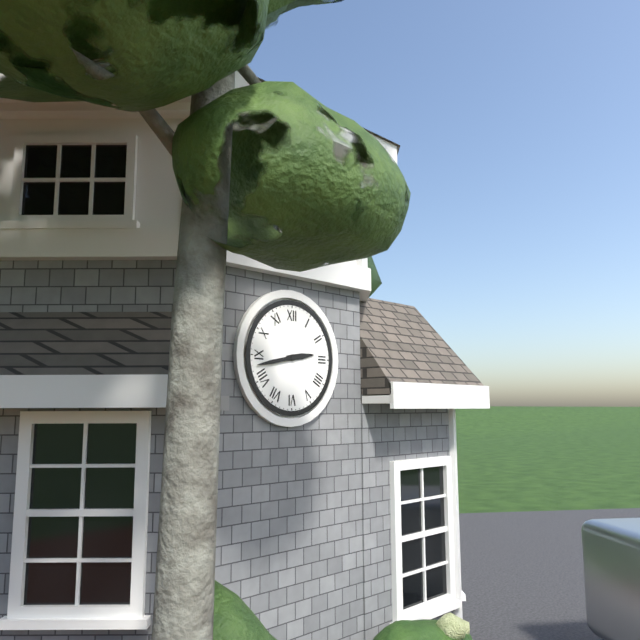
2:43
